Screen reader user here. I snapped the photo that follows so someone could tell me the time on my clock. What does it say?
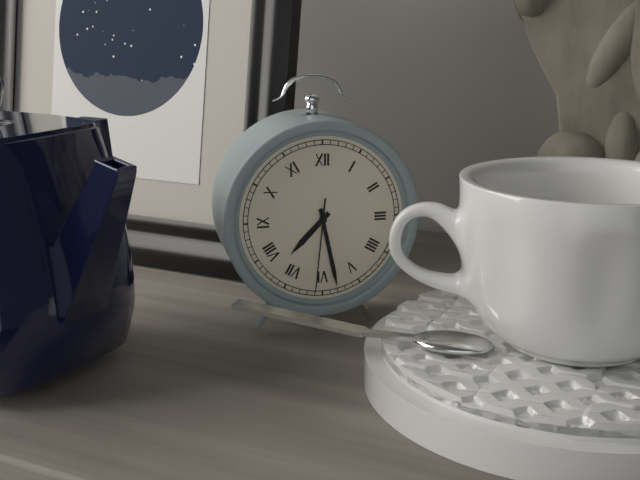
7:28:31
